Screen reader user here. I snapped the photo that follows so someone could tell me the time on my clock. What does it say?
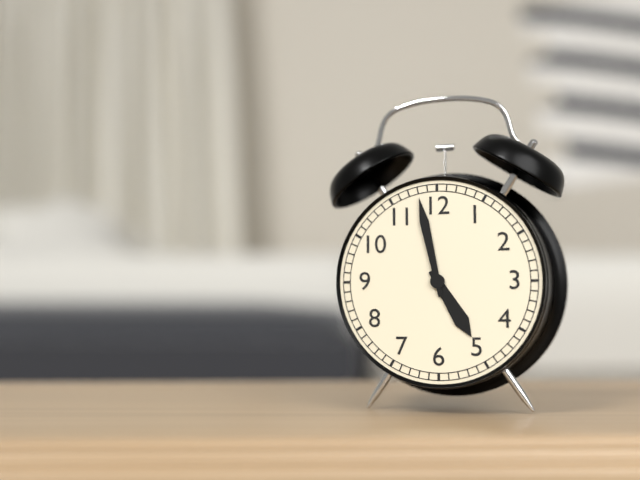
4:58
